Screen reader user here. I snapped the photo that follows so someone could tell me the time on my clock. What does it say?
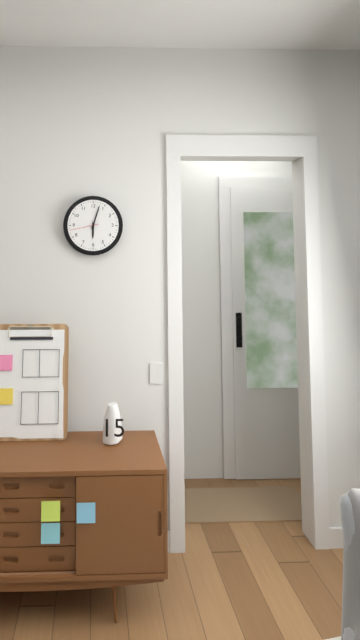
6:03
